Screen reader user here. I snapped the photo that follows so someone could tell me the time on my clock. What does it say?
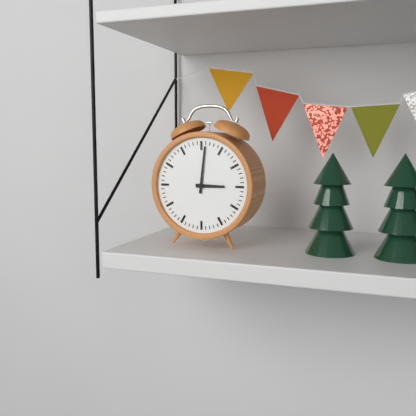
3:01
